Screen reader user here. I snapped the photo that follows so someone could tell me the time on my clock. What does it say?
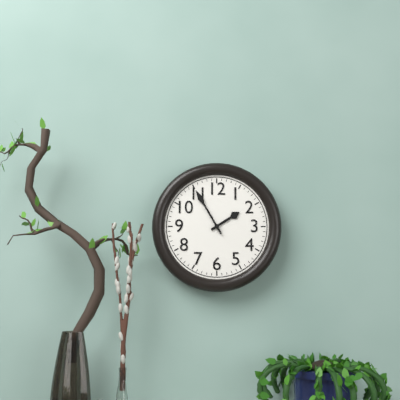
1:55
